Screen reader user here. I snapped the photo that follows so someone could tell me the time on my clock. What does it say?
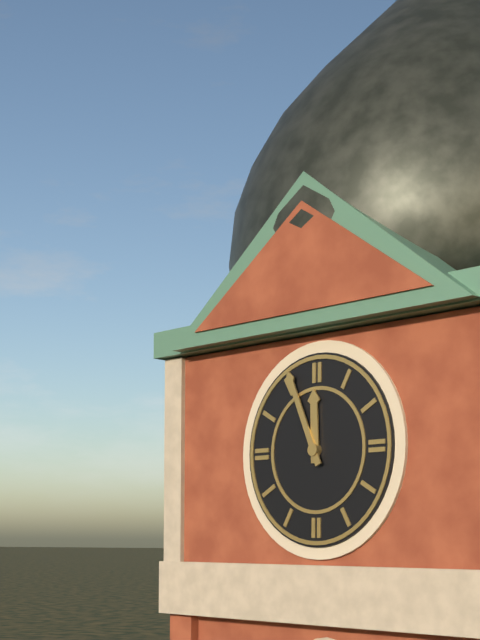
11:56
